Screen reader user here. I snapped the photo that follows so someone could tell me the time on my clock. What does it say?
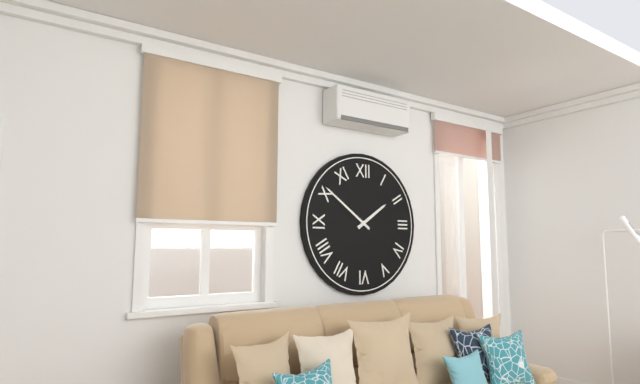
1:51
